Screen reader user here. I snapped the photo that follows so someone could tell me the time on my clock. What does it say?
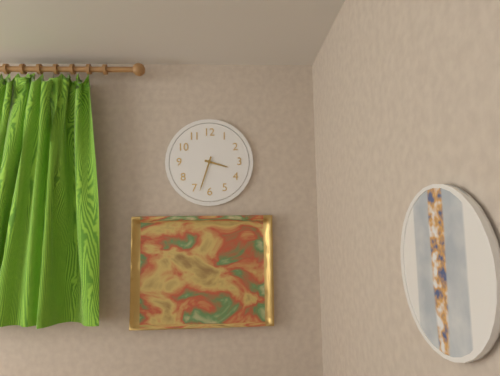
3:33
